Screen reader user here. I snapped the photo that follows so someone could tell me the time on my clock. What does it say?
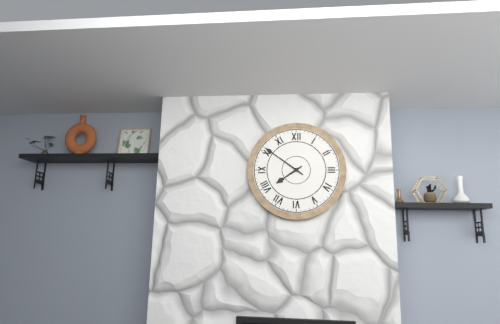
7:51
